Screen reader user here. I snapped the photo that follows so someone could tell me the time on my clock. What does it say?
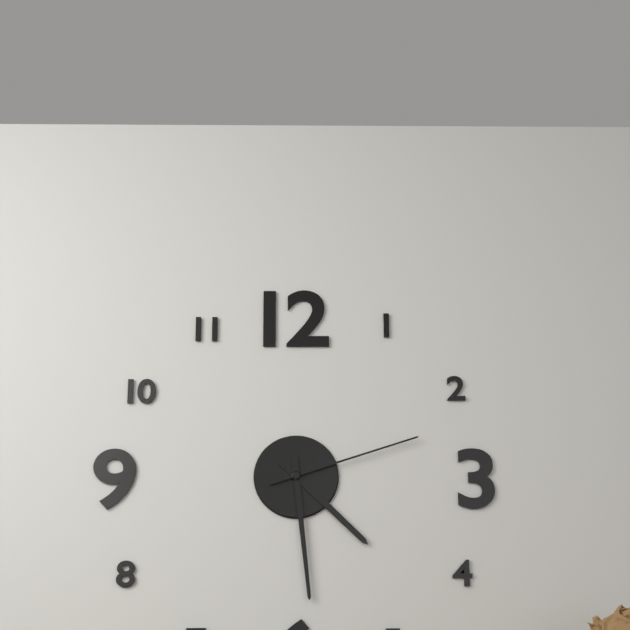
4:29:12
